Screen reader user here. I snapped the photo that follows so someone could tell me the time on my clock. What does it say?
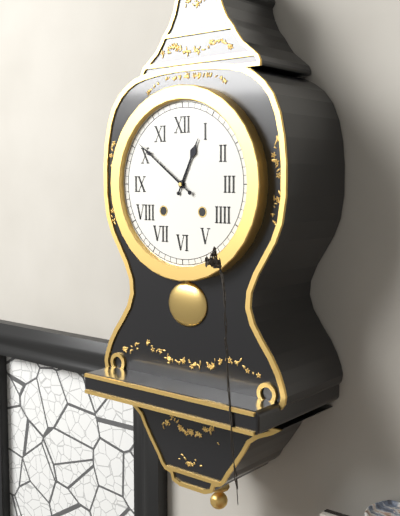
12:51
